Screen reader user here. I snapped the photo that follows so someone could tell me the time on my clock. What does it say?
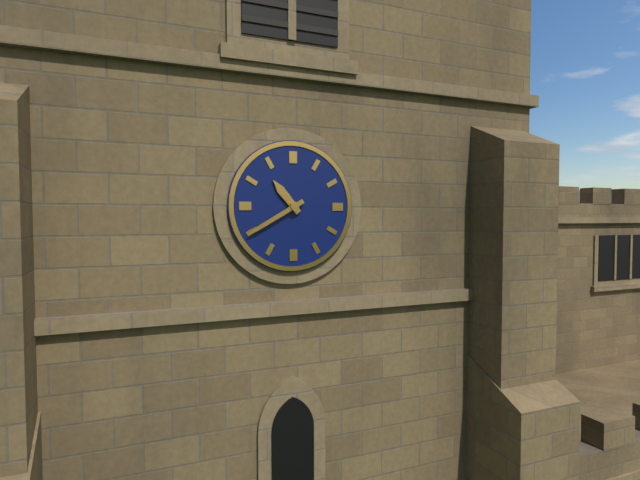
10:40
